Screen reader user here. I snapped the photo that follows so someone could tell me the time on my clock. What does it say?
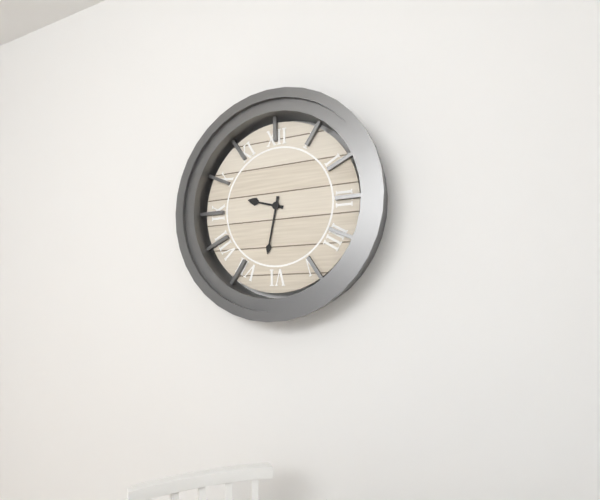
9:32
